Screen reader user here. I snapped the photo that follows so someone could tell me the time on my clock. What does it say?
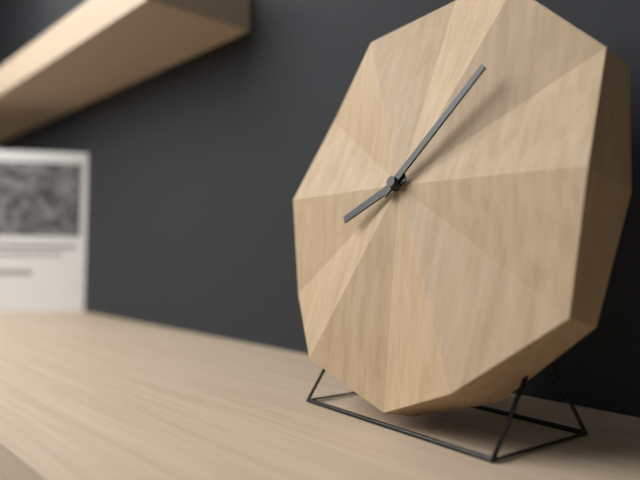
8:07
